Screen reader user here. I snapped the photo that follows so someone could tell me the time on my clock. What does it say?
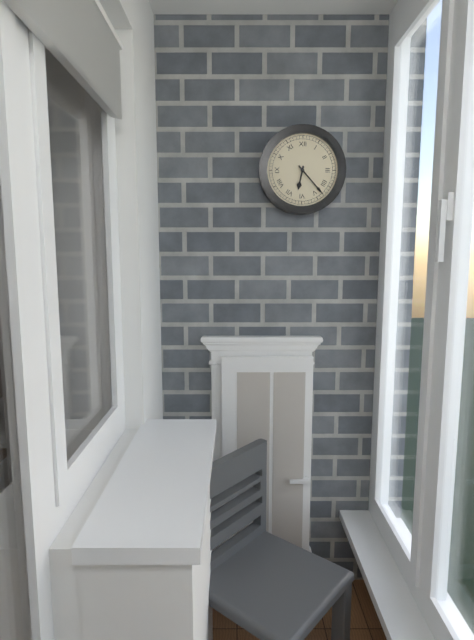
6:23
